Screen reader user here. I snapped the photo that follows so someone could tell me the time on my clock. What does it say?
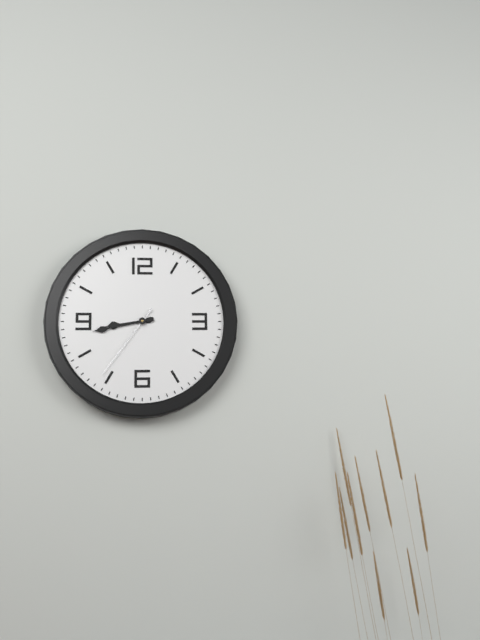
8:43:36
